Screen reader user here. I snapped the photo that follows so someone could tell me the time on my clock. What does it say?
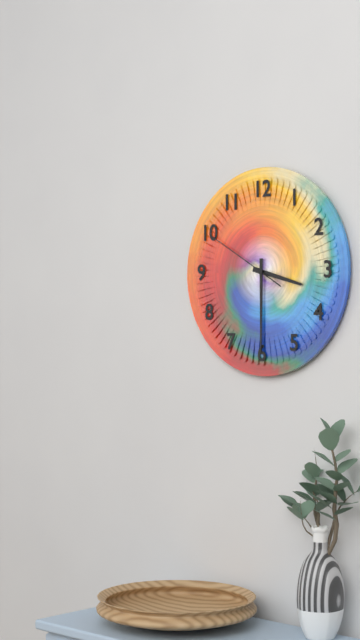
3:30:50
